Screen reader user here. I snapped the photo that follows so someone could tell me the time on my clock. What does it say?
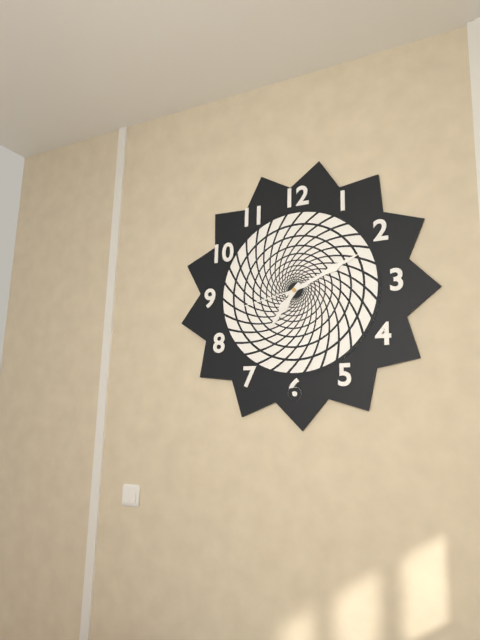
7:11:43
